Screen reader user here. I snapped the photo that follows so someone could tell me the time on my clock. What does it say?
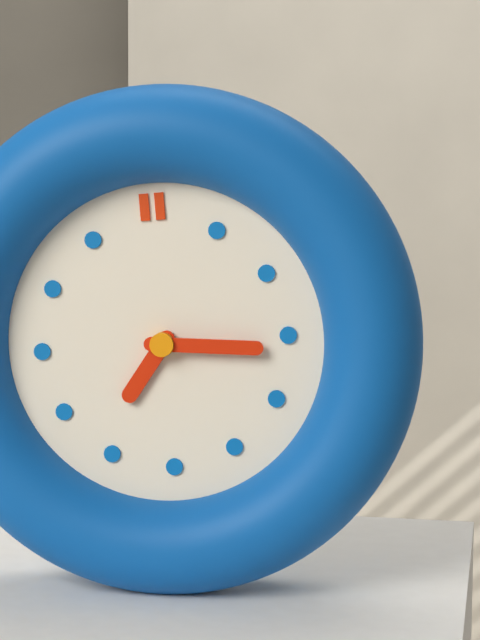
7:16
